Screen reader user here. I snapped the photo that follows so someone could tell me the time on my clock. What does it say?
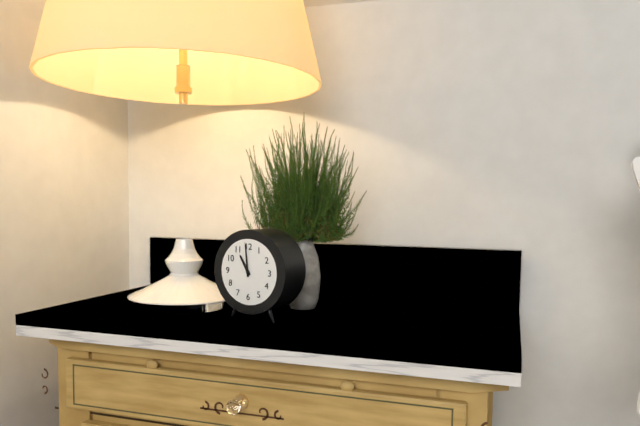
10:59
